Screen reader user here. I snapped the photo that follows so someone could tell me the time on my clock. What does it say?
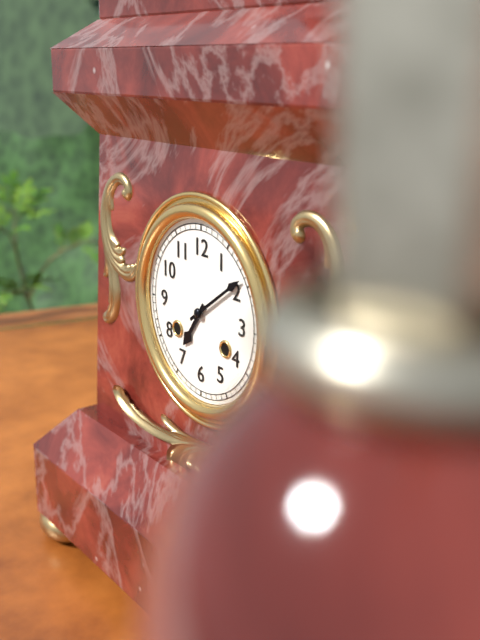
7:09
